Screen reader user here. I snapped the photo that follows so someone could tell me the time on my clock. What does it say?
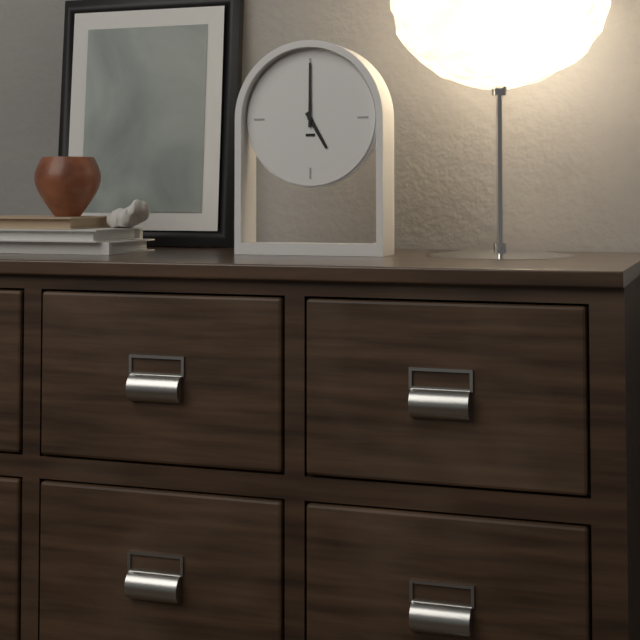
5:00
